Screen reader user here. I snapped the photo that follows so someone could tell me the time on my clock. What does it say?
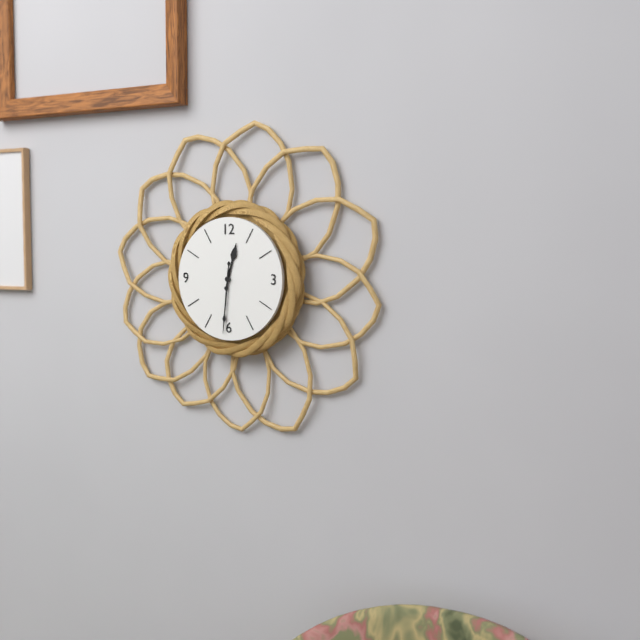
12:31
